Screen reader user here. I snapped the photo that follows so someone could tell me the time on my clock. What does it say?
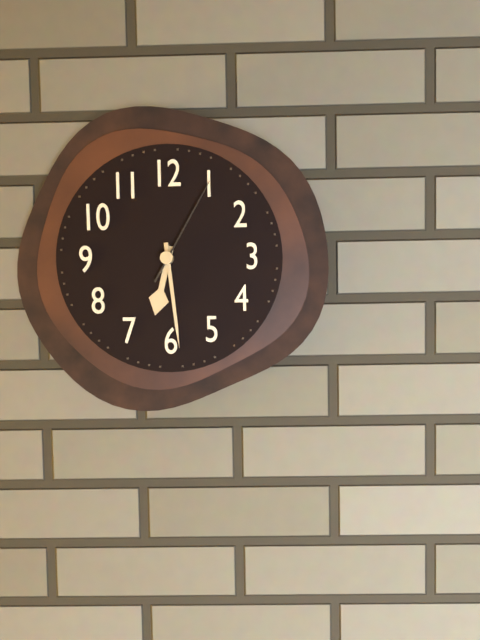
6:29:05
